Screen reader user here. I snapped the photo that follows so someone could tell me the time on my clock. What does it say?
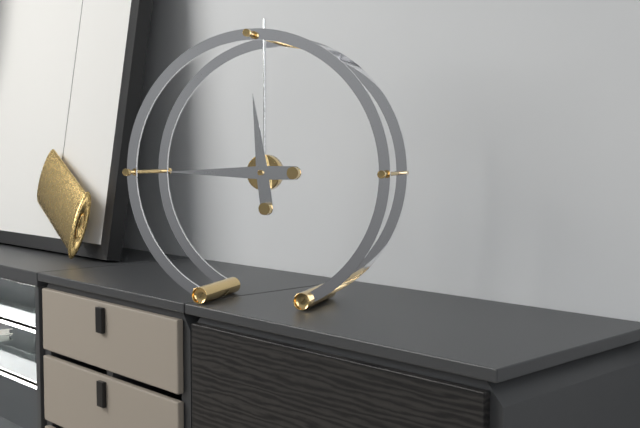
11:45
